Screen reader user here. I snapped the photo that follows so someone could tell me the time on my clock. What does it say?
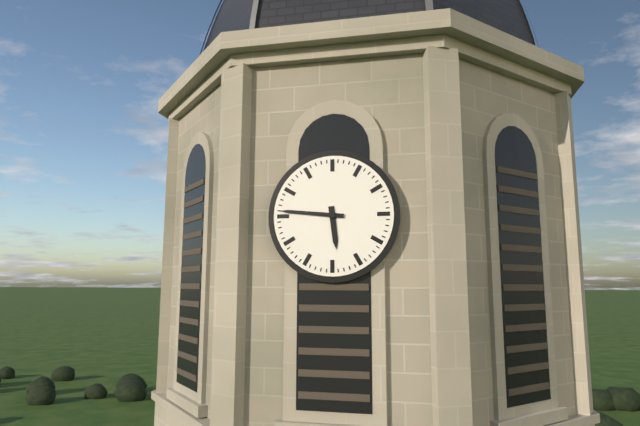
5:46
